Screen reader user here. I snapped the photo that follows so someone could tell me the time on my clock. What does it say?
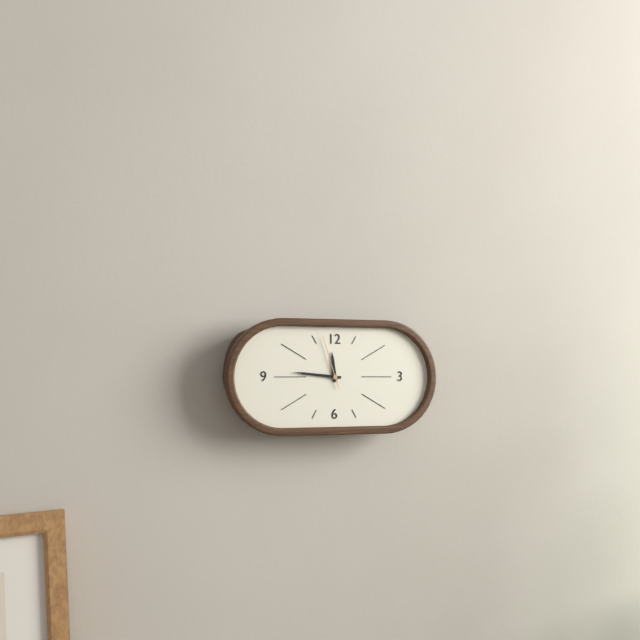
11:46:57
